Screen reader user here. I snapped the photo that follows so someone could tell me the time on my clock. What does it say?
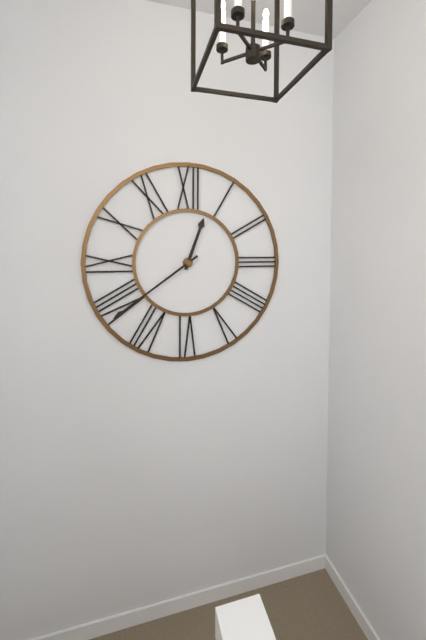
12:39
